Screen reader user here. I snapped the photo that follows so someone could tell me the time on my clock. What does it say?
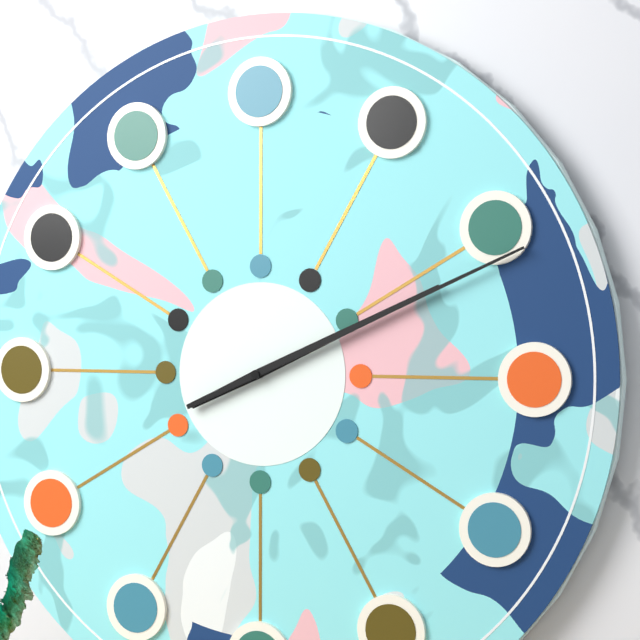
2:11
